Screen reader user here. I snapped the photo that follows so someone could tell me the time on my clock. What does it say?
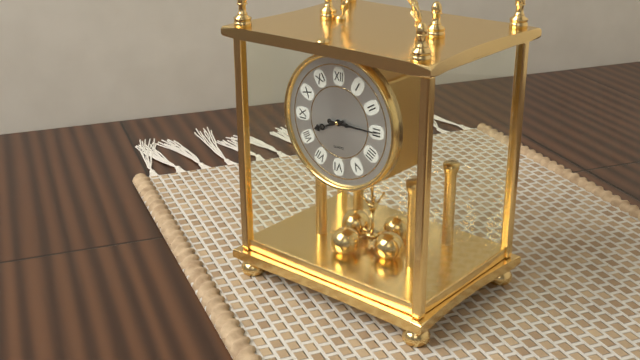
8:15
